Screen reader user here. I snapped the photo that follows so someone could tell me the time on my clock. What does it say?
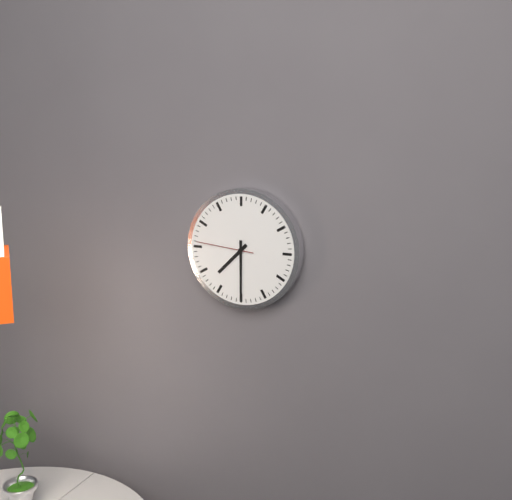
7:30:46
